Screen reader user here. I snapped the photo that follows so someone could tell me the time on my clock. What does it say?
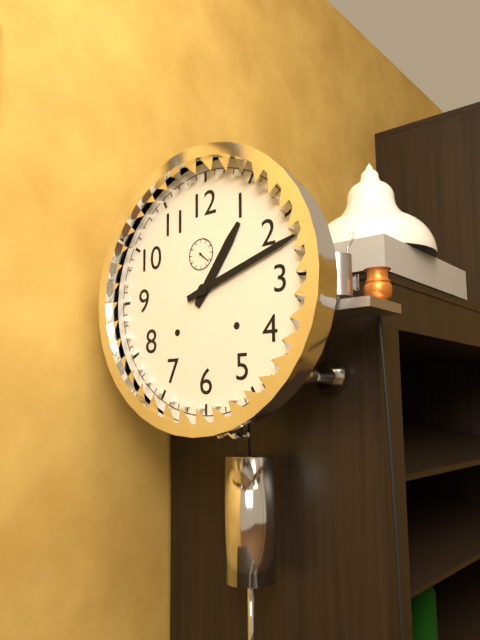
1:12
